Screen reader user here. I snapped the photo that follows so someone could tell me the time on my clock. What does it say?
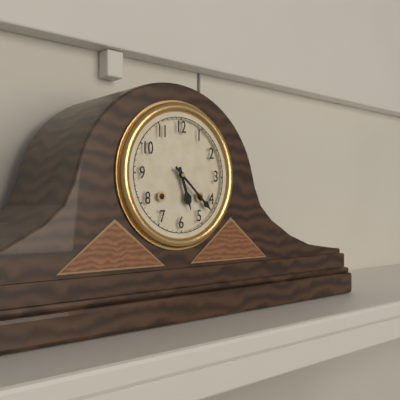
5:22
